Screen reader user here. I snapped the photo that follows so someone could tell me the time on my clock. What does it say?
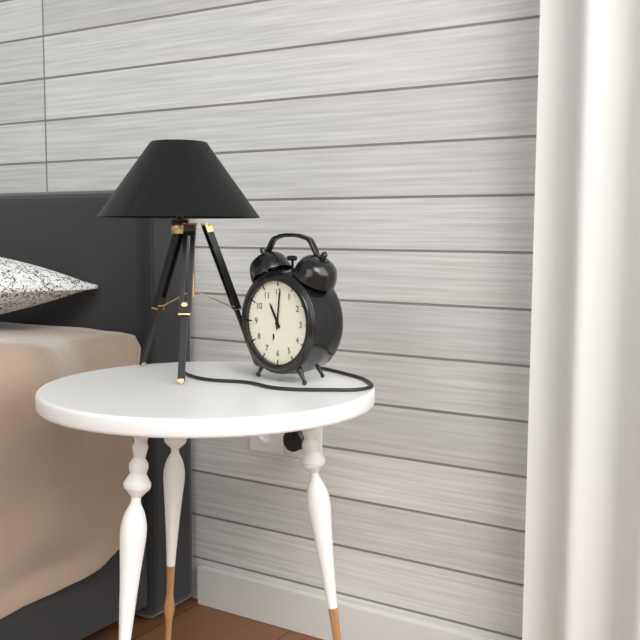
11:01
